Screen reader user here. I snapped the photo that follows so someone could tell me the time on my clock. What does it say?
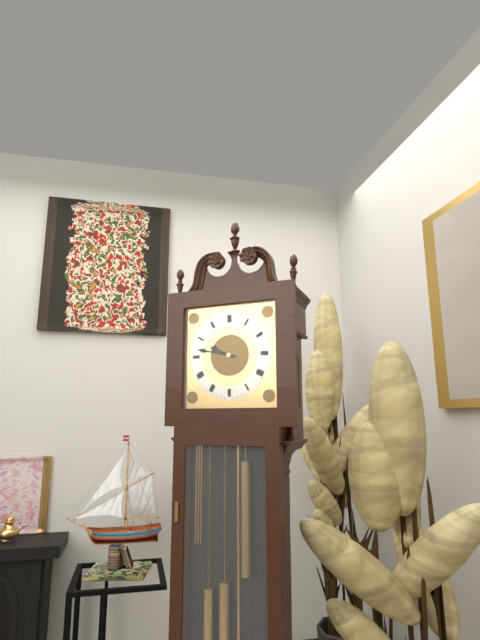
9:47
